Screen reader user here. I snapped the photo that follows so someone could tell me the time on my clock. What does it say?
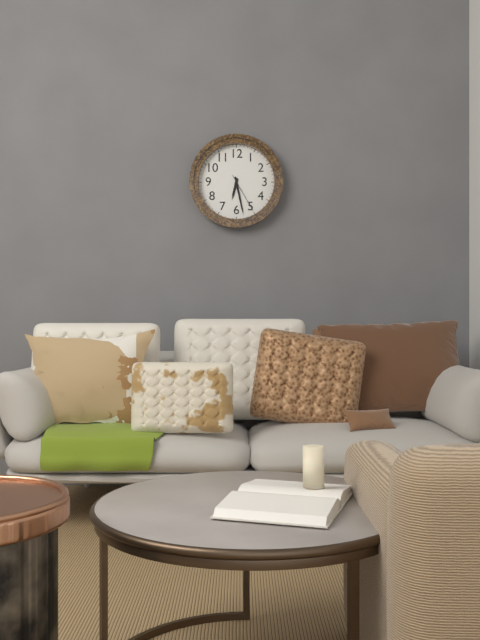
6:28
